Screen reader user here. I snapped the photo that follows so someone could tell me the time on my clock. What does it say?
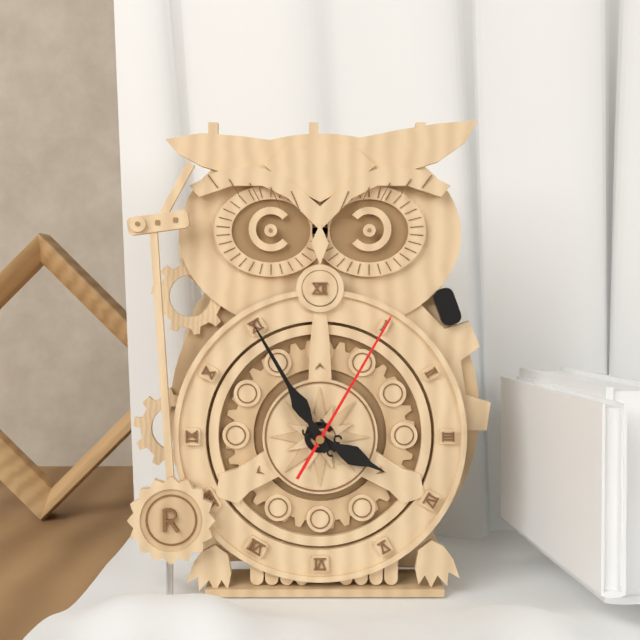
3:55:05
